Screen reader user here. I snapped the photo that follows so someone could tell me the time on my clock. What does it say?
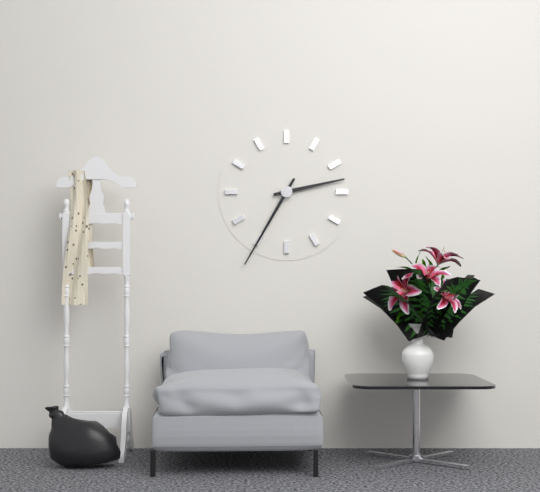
2:35
